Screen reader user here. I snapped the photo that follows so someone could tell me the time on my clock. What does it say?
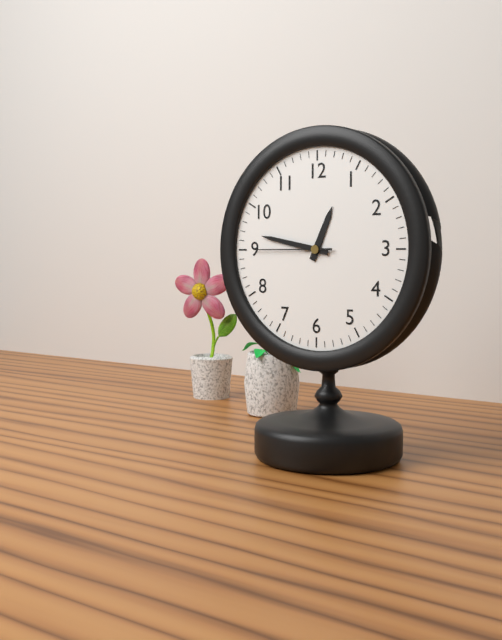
12:47:45
